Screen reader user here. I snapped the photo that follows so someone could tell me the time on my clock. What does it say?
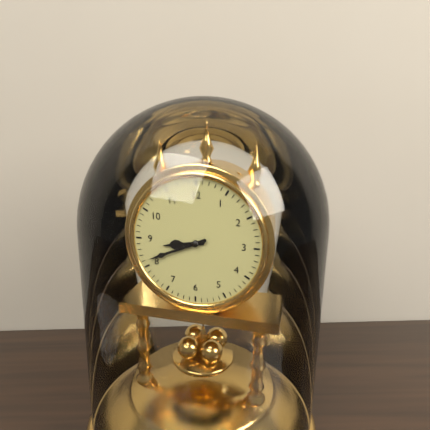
8:41
